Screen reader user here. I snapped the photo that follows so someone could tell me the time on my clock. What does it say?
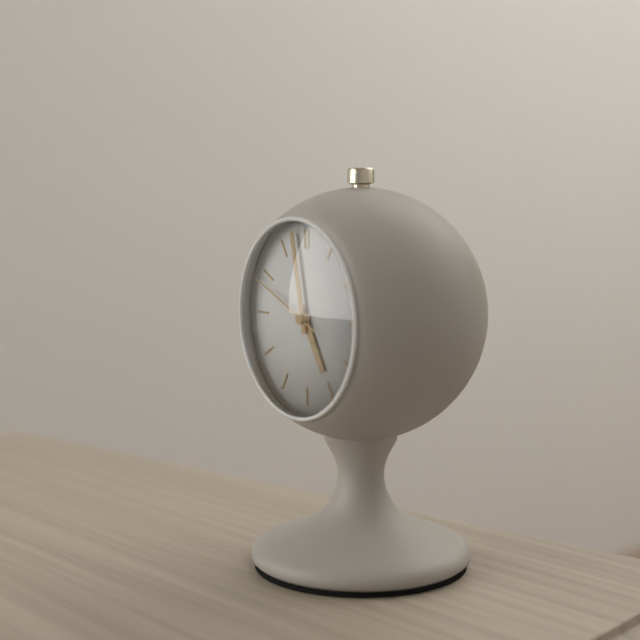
4:58:49
